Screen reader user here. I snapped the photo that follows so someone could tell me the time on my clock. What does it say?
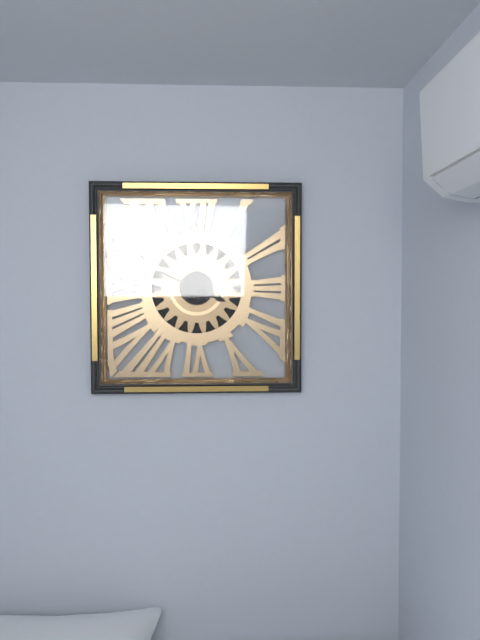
3:49
